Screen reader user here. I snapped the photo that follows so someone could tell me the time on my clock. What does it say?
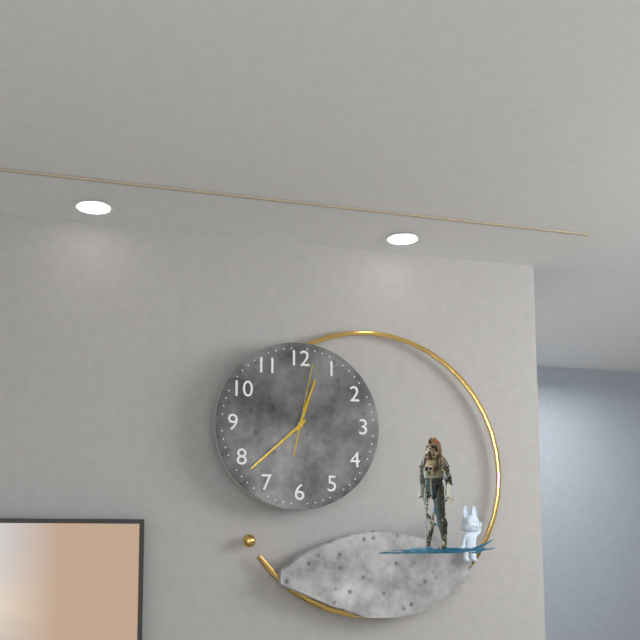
12:38:02
